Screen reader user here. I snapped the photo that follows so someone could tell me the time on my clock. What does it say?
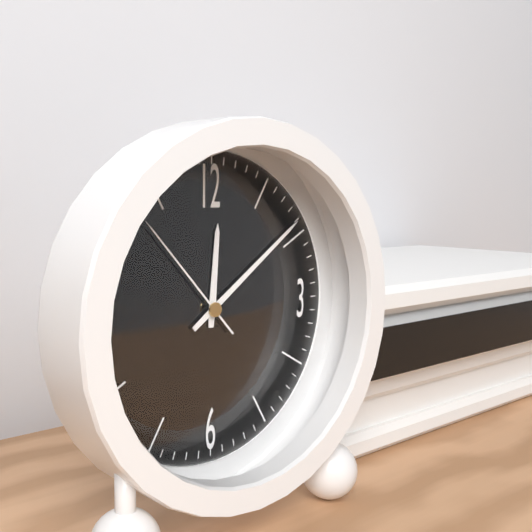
12:09:53
